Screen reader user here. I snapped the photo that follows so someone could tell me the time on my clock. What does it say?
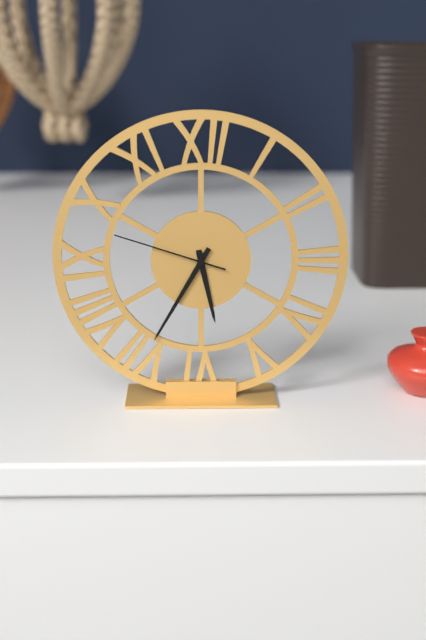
5:35:48
